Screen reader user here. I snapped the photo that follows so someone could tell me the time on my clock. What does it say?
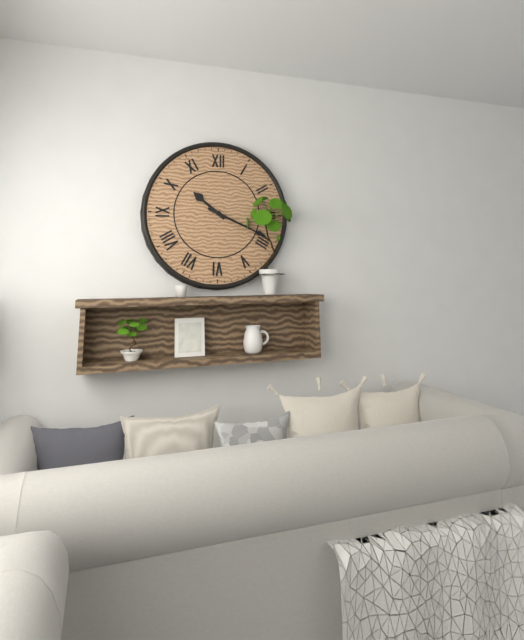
10:19
